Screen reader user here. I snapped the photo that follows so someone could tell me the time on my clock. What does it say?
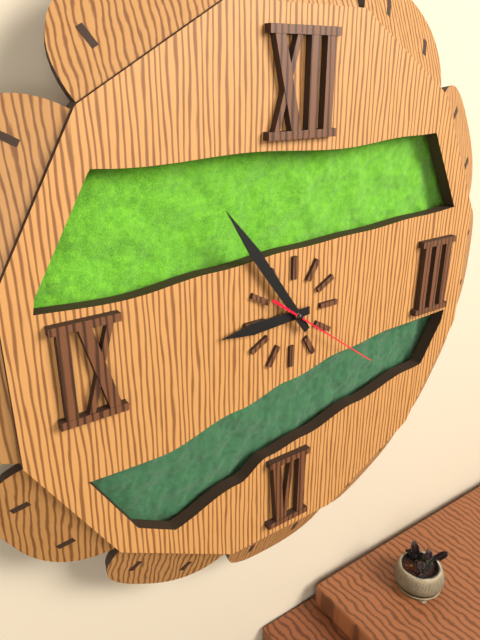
8:54:21
